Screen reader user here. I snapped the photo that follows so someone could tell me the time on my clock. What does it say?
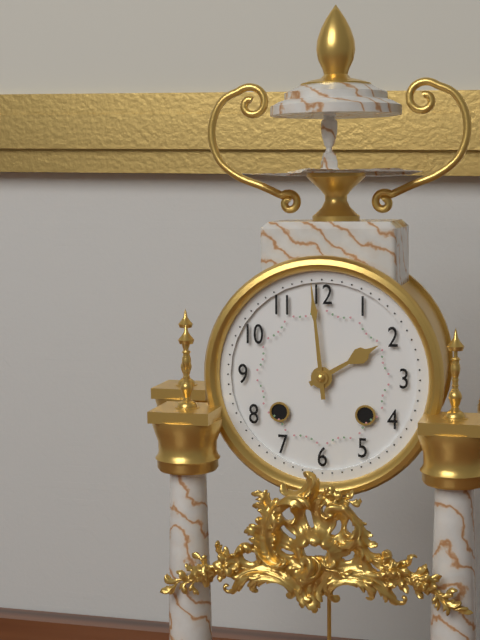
1:59
